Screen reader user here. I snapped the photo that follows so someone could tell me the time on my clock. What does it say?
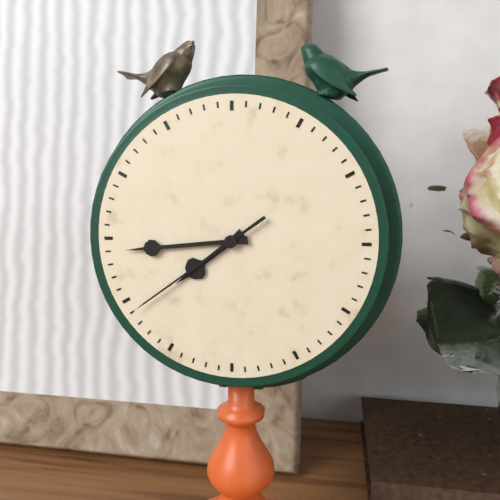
7:44:39
